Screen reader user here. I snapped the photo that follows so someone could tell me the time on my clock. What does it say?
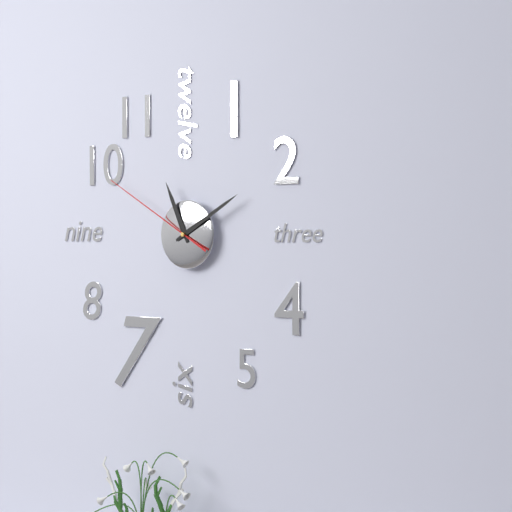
11:10:50
